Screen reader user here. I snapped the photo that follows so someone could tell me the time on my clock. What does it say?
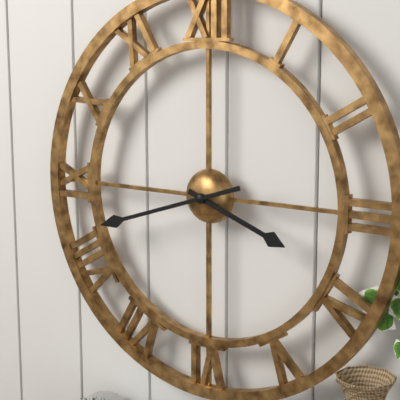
3:42
